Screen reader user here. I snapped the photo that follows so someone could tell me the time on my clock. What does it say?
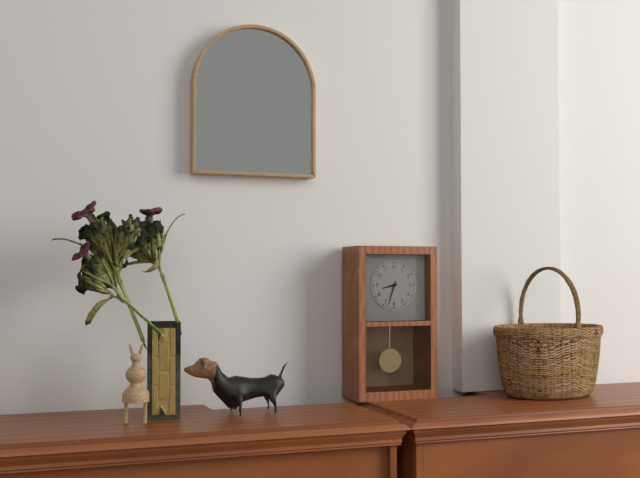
8:33
